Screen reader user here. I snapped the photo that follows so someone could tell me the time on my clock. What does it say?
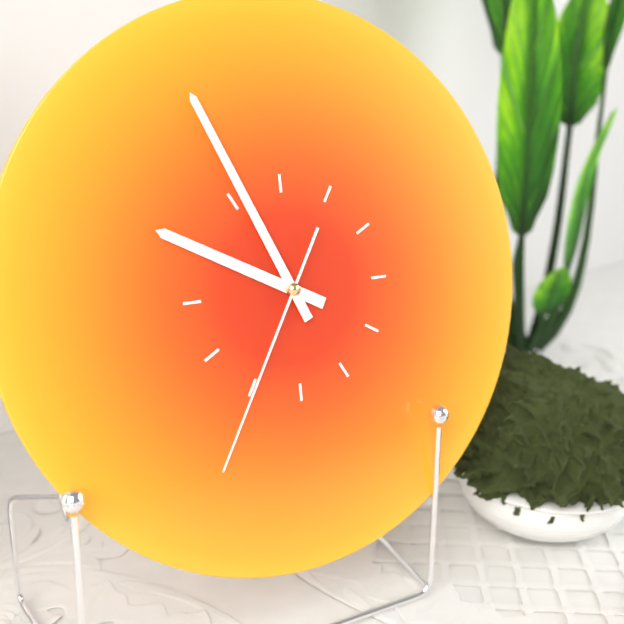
9:56:35
